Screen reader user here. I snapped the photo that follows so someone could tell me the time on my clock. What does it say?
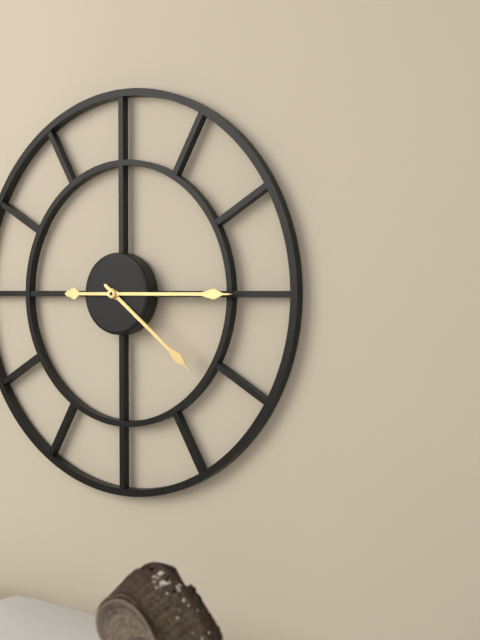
4:15
